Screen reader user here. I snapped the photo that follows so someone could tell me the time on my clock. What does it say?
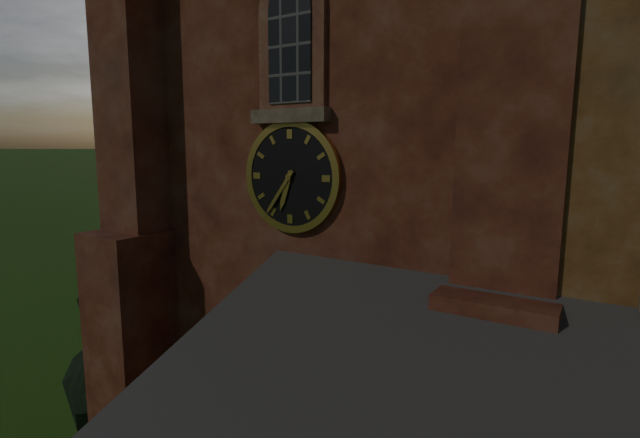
6:36
